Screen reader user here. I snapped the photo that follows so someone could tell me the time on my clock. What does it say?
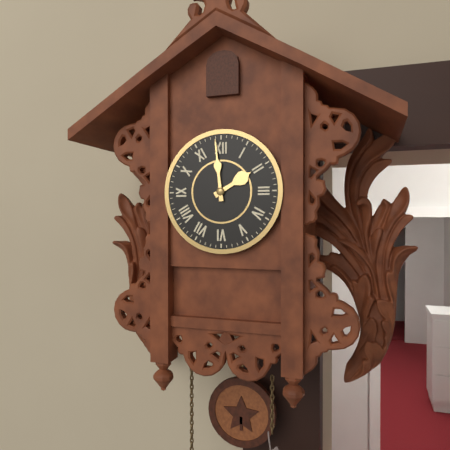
1:59
